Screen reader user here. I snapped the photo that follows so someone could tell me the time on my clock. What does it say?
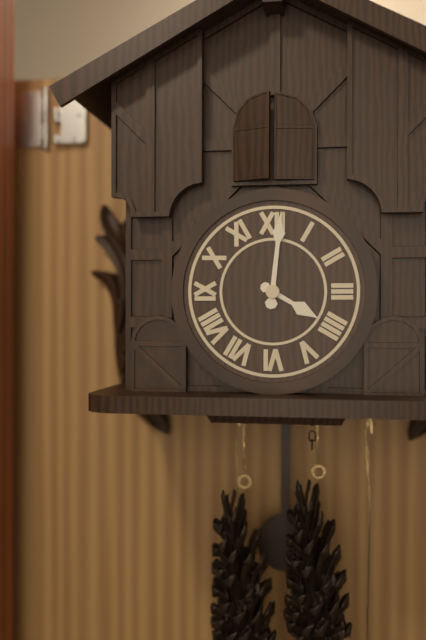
4:01
